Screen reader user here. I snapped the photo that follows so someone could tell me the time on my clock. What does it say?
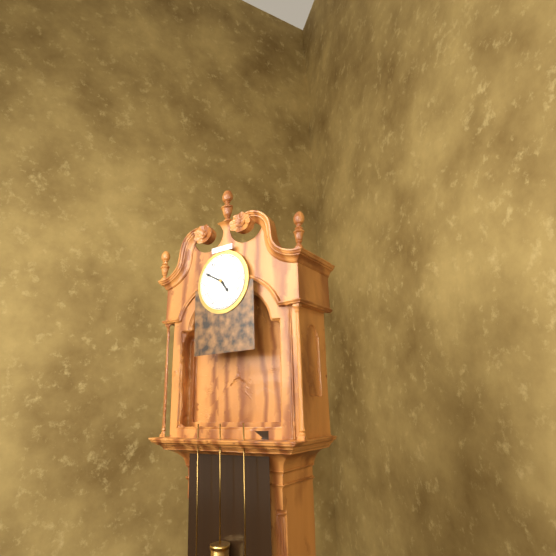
4:50
